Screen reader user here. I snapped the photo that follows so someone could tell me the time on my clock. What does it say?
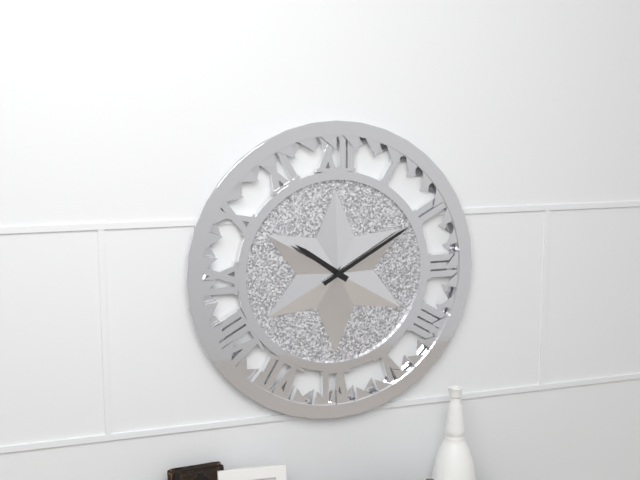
10:10
